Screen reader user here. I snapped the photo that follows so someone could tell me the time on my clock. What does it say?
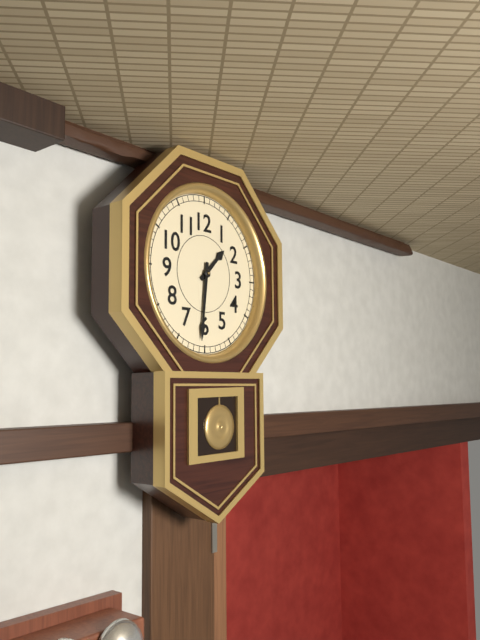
1:31
